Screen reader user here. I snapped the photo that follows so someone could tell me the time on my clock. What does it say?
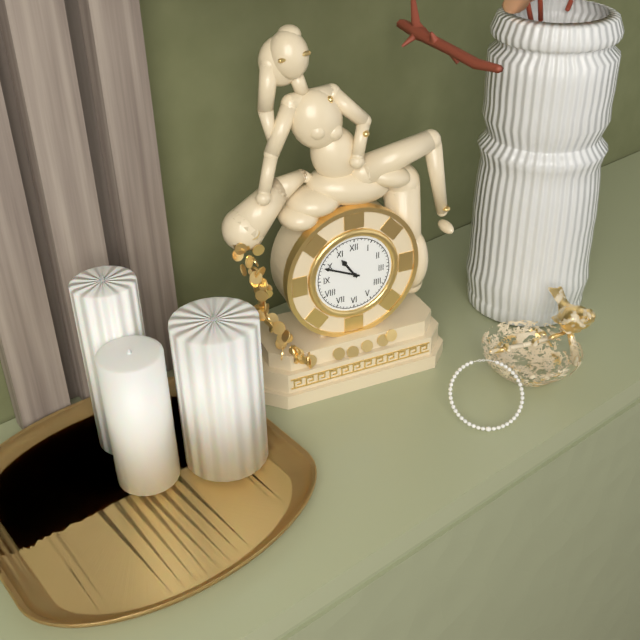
10:49
